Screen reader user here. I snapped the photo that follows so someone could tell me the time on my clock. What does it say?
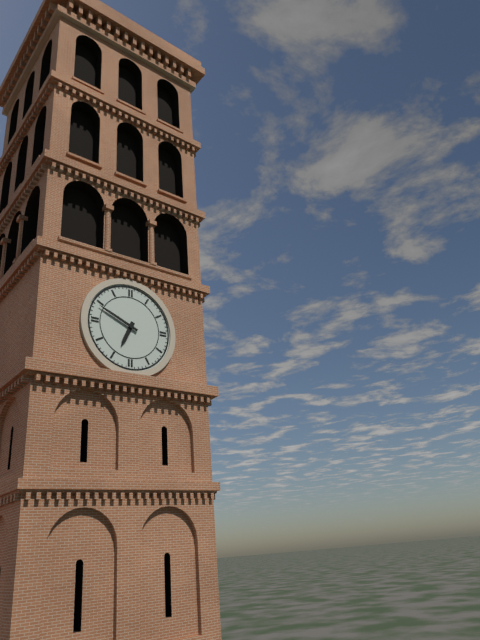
6:49
